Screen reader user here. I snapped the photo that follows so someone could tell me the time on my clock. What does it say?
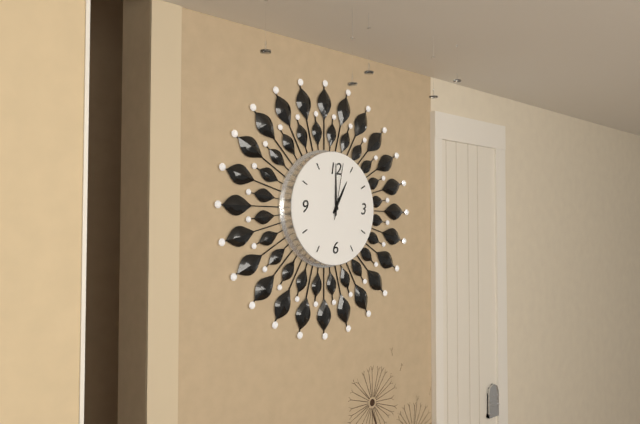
1:00:02
